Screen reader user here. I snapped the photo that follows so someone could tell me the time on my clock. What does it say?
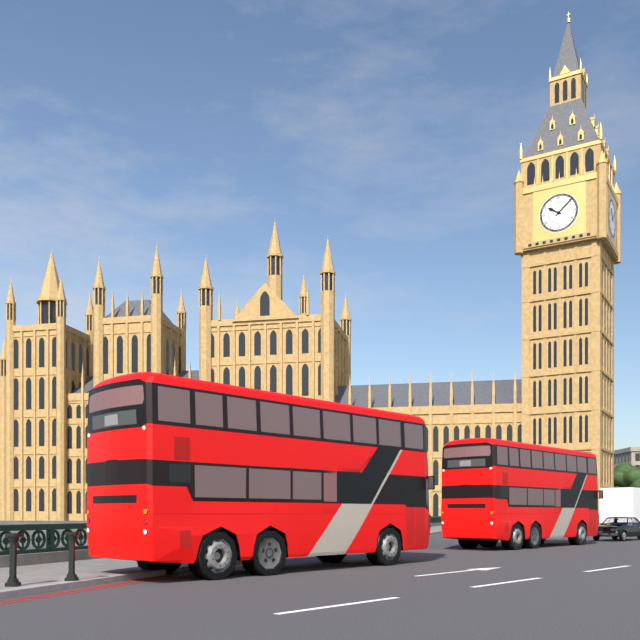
10:08
